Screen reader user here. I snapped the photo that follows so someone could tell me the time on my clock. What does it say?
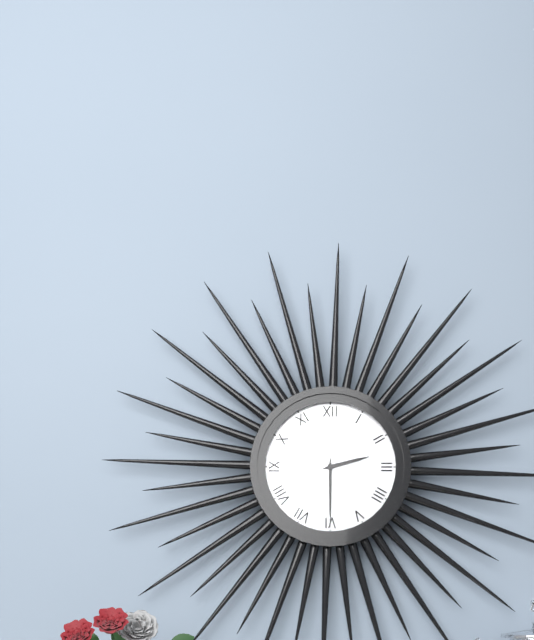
2:30
